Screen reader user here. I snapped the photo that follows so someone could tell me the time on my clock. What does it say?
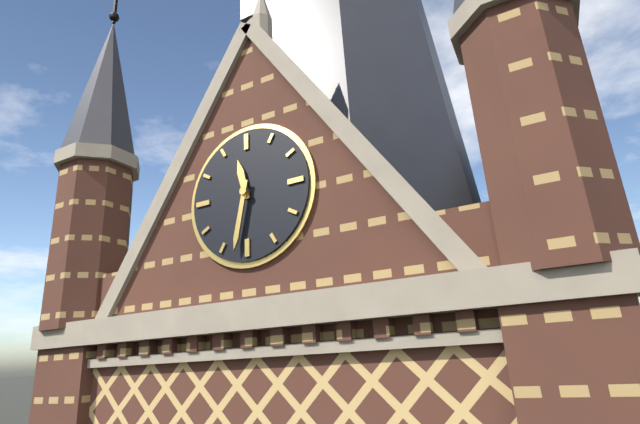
11:32
